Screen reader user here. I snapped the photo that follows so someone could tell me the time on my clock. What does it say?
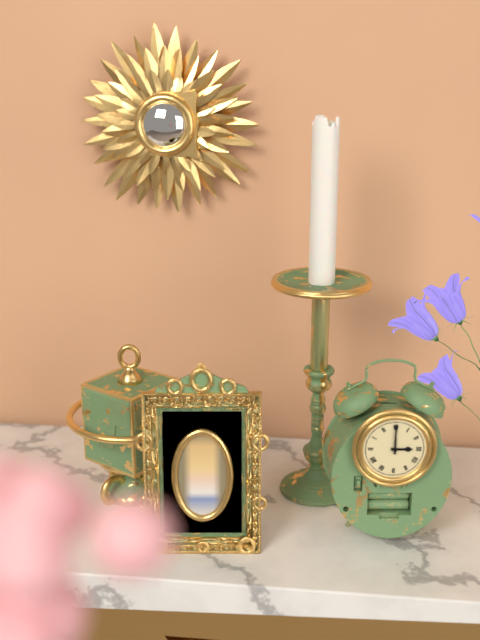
3:00
